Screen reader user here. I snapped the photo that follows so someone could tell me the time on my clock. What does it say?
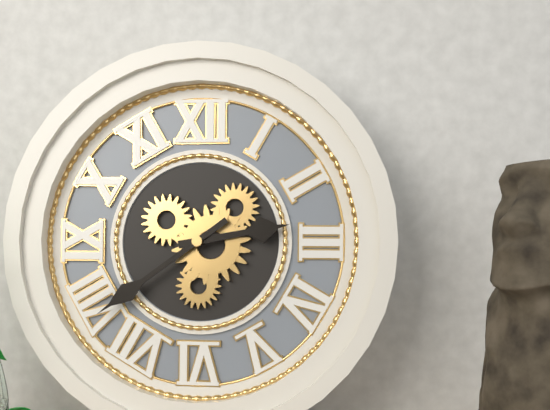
2:39
